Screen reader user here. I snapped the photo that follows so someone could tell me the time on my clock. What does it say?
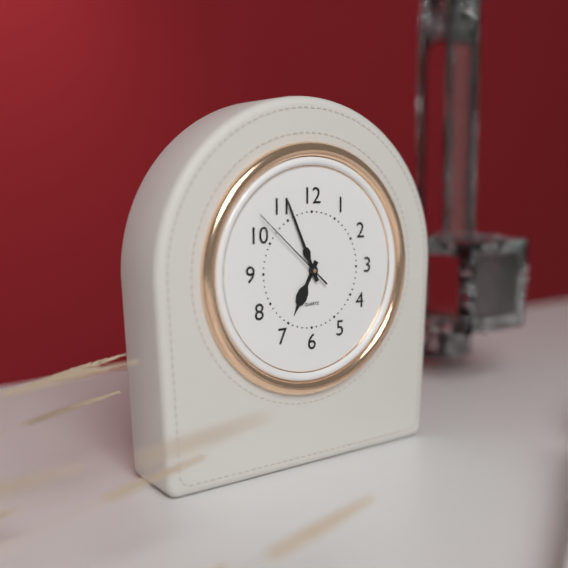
6:56:52
